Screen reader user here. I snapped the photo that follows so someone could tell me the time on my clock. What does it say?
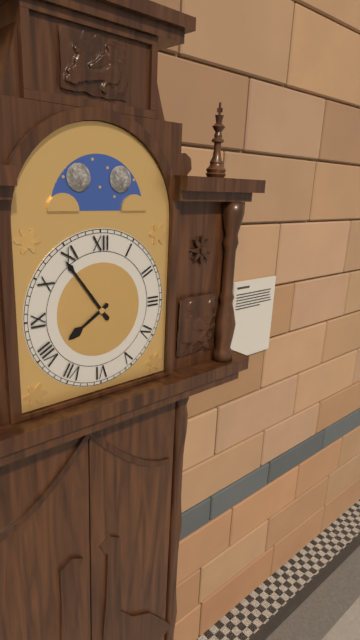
7:54
